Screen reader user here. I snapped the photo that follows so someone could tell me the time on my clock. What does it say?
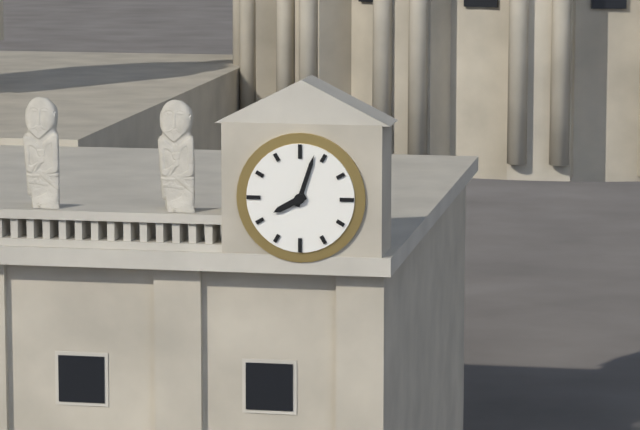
8:03
